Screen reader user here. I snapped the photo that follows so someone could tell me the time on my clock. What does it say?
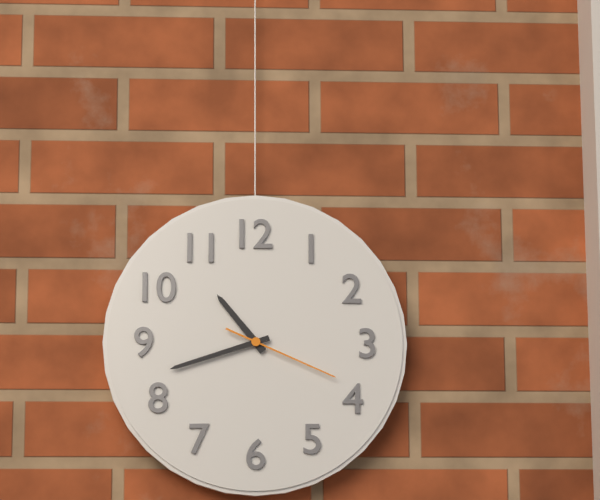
10:42:19
